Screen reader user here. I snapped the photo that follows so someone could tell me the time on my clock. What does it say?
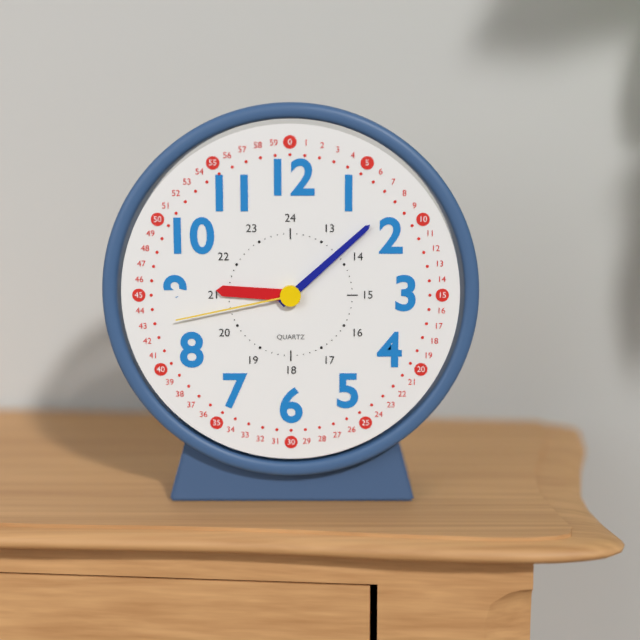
9:08:43
